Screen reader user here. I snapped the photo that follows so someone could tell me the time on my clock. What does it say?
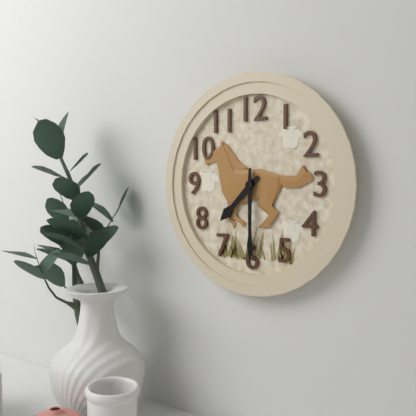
7:30
